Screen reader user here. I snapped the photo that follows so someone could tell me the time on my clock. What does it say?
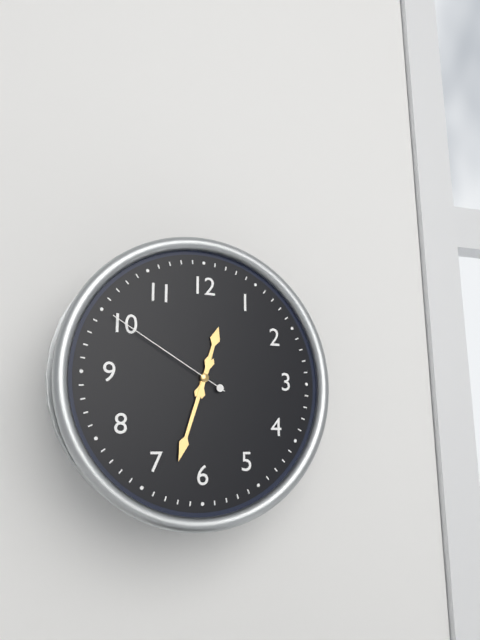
12:33:50
